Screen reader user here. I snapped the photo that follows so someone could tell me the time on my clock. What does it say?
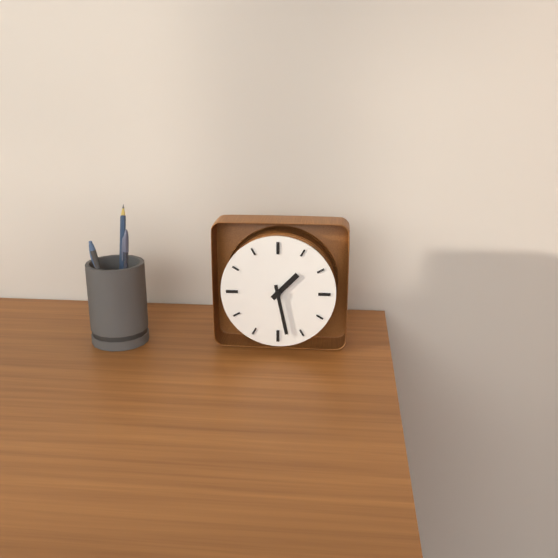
1:28
